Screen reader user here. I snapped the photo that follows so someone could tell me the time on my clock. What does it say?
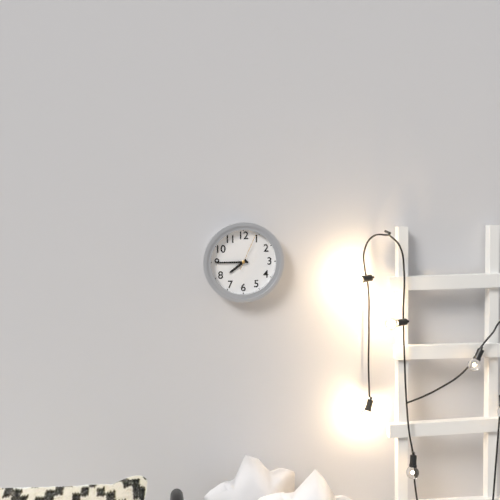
7:45
